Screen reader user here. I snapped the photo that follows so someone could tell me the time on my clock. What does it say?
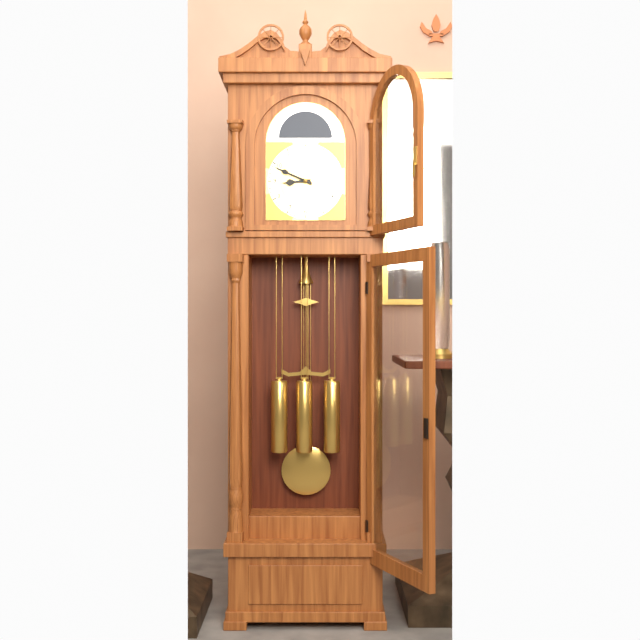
8:49
